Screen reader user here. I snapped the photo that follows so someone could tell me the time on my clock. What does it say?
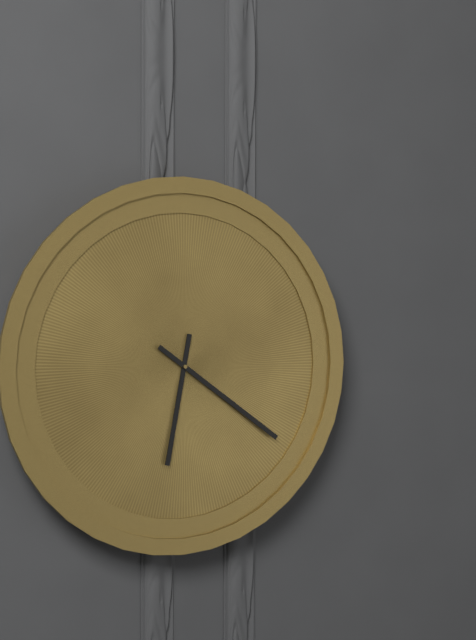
6:21
